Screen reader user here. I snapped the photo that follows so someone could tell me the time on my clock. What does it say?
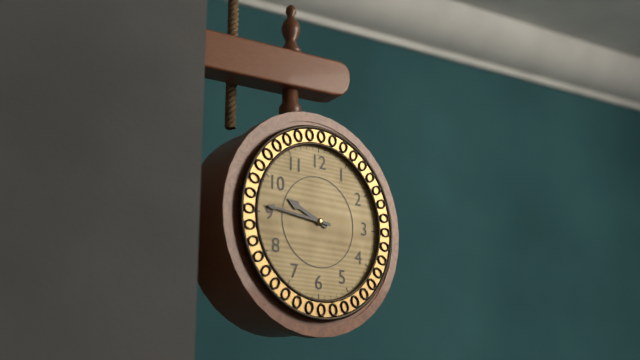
9:46
